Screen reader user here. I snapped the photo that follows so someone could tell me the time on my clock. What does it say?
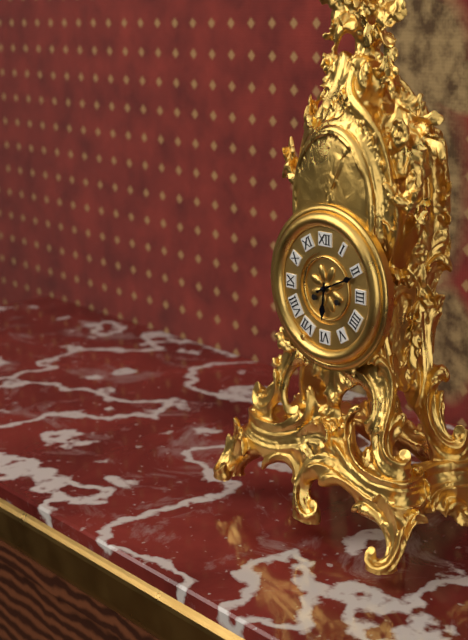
6:11
